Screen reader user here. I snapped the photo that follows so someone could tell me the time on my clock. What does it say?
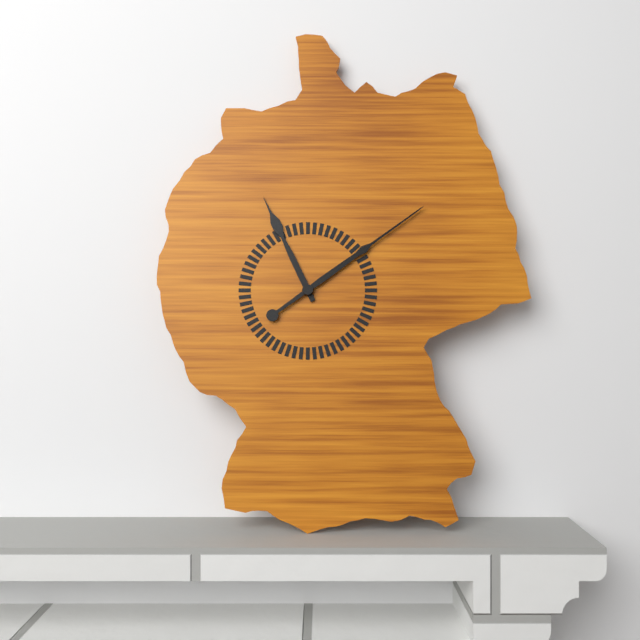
11:09
